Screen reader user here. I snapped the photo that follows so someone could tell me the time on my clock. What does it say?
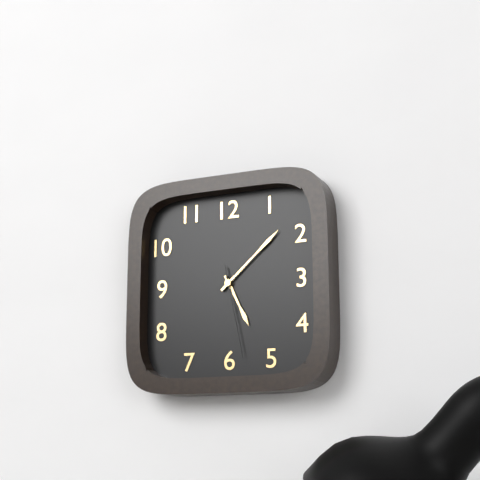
5:08:28
